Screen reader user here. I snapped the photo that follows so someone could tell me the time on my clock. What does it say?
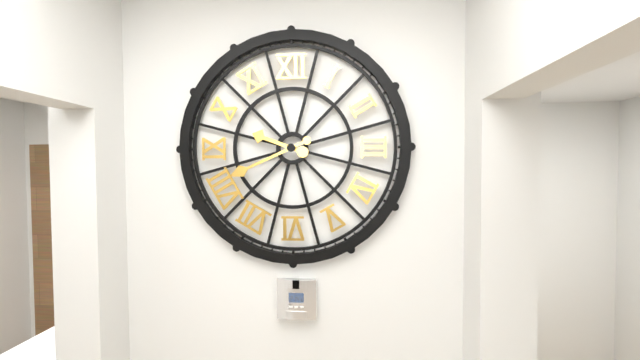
9:41
